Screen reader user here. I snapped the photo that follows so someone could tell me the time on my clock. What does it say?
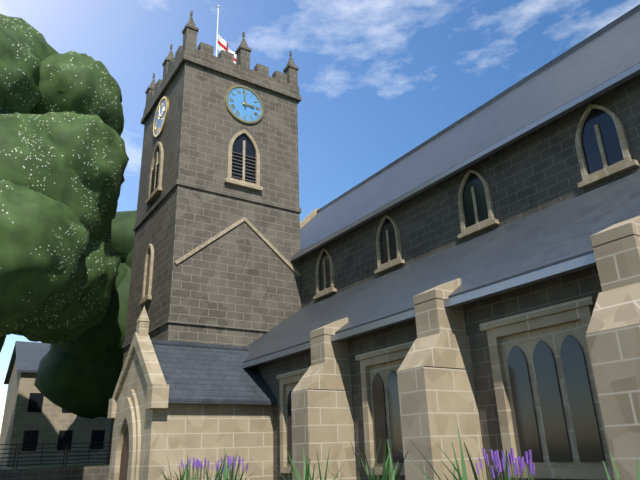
2:59
